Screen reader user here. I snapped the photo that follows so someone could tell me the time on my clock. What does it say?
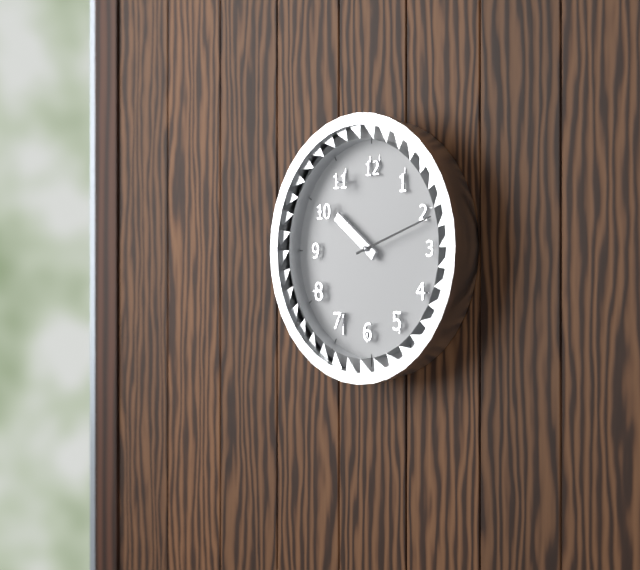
10:12
